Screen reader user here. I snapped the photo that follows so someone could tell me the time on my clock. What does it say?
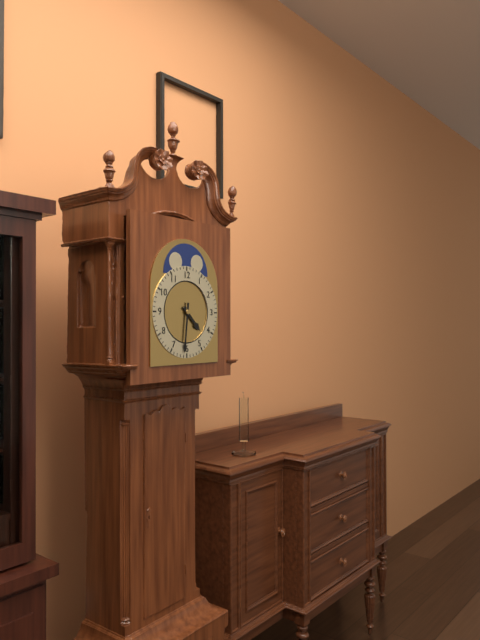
4:31
